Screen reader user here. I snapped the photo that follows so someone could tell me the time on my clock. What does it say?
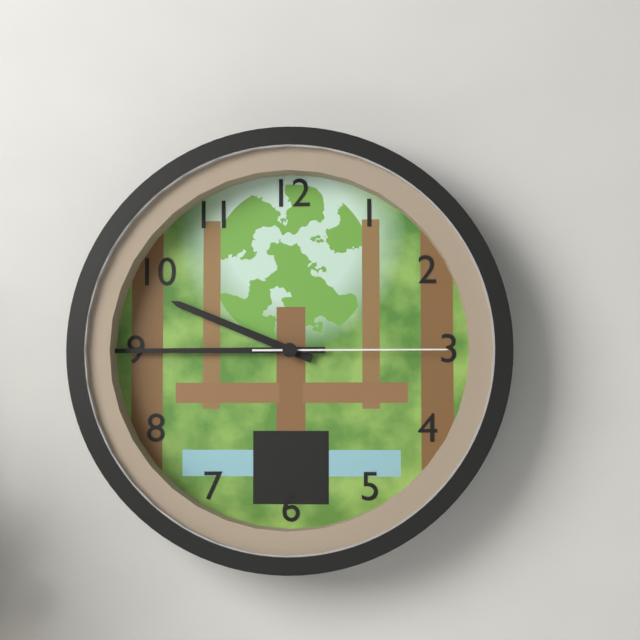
9:45:15
